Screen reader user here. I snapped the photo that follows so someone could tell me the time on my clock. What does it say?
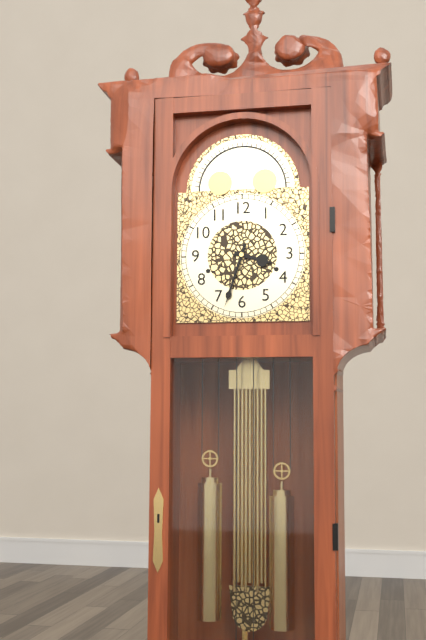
3:33
